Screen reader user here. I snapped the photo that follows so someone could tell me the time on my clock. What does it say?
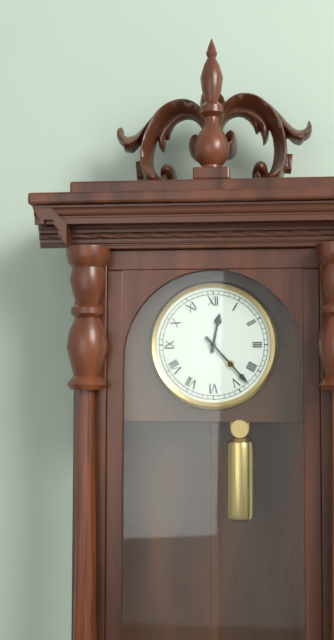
12:23
